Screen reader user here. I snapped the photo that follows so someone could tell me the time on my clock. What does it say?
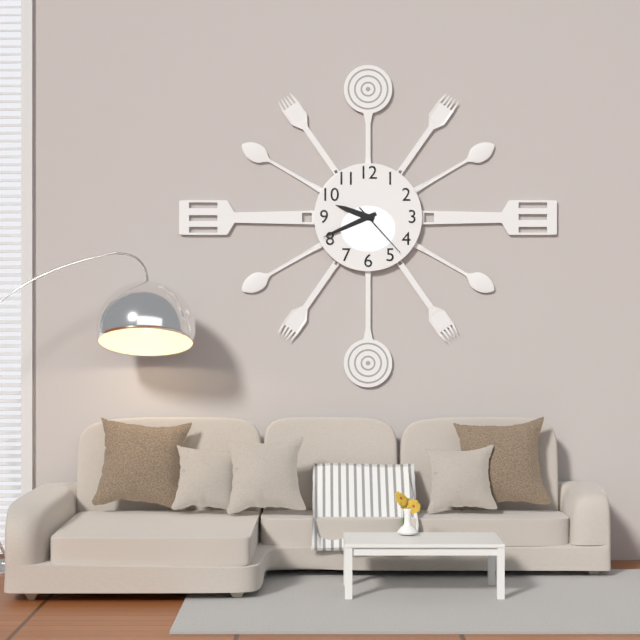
9:41:23
